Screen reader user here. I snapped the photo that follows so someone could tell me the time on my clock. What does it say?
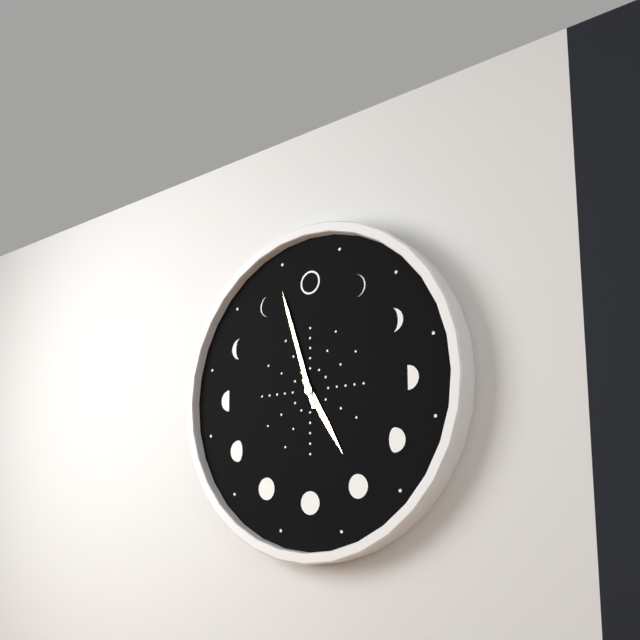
4:57
